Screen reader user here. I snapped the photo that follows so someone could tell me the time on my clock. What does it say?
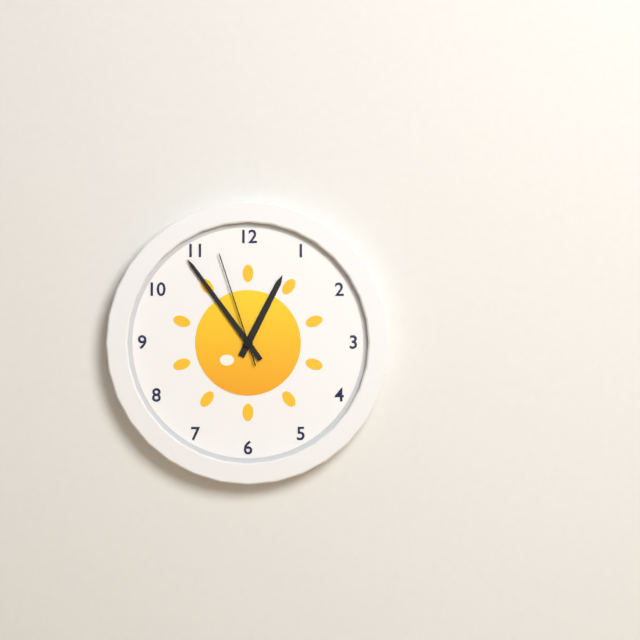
12:54:57
